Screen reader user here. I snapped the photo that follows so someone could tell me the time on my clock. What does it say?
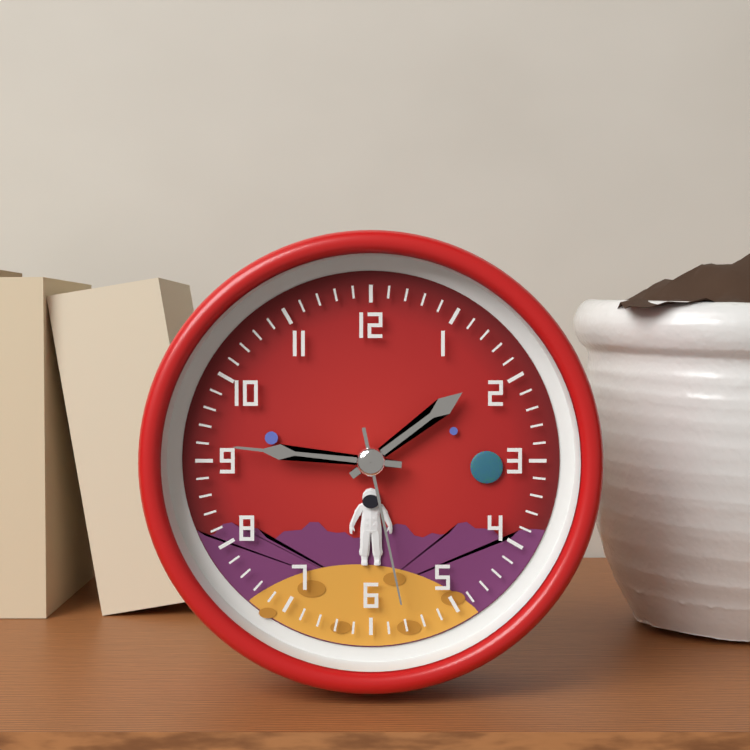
1:46:28
